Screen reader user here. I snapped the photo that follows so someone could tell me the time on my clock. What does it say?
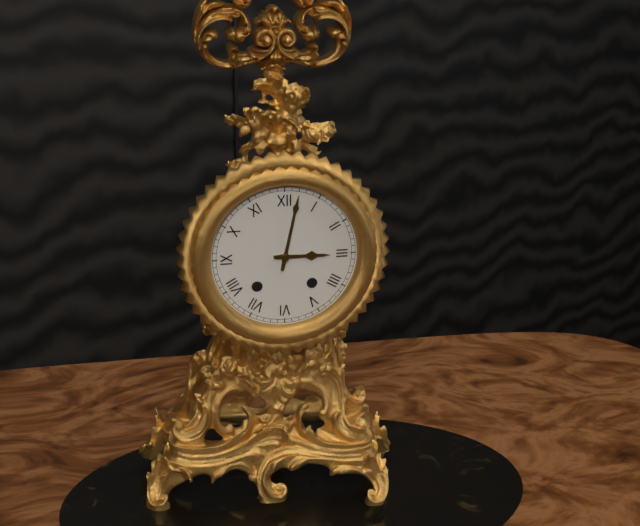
3:02
